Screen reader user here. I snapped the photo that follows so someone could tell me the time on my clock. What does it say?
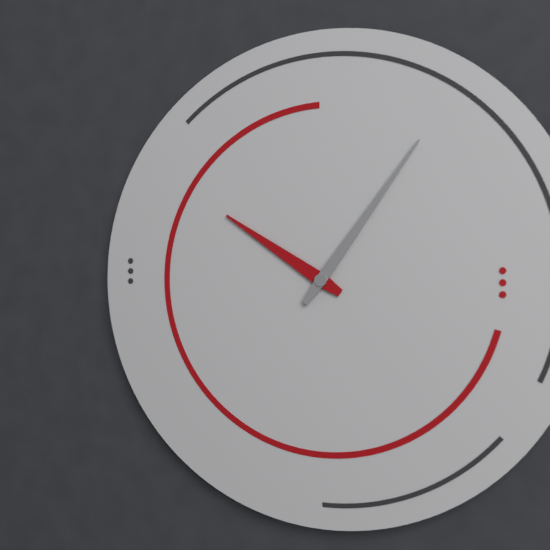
10:06
